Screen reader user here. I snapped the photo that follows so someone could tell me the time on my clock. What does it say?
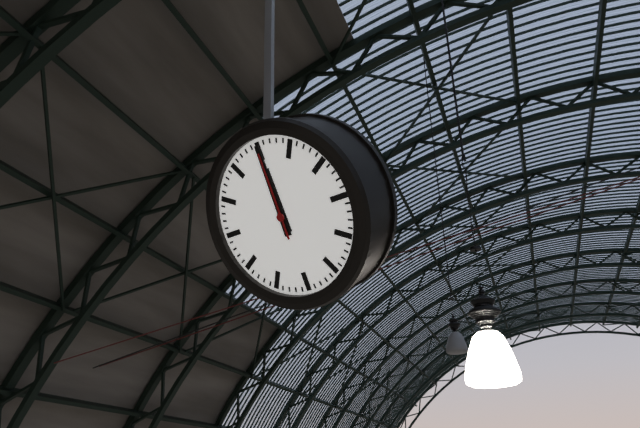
12:00:00
